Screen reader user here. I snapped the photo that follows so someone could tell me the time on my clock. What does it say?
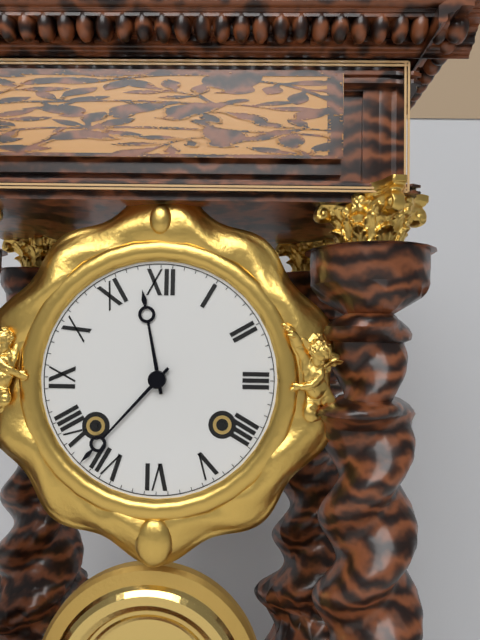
11:37
